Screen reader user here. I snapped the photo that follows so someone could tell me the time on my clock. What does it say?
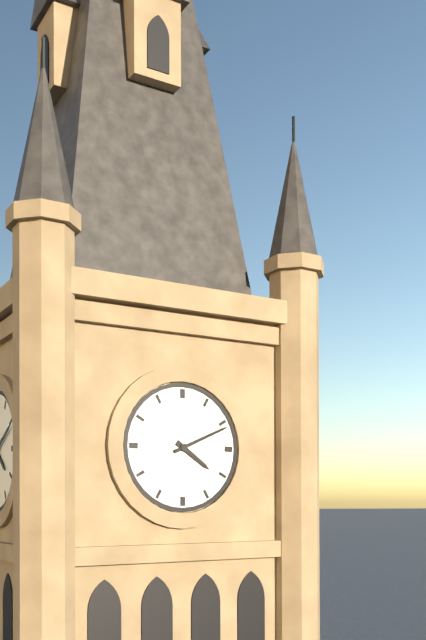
4:11
